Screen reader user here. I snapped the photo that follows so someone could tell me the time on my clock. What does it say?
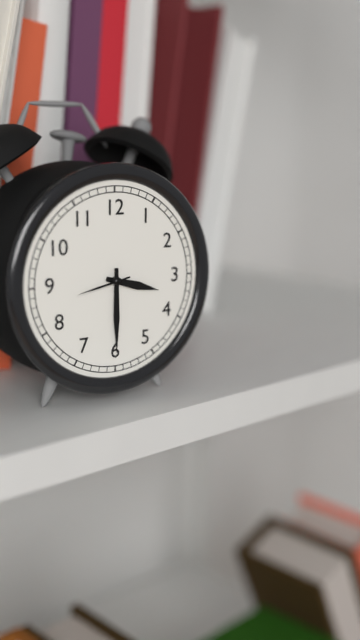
3:30:43
